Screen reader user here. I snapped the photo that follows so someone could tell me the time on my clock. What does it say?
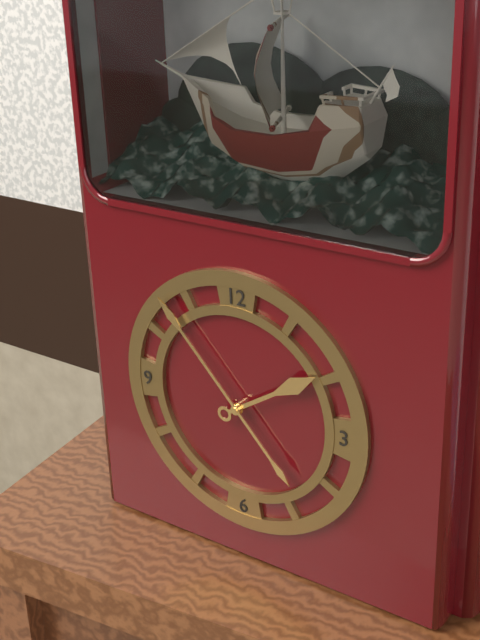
1:53
